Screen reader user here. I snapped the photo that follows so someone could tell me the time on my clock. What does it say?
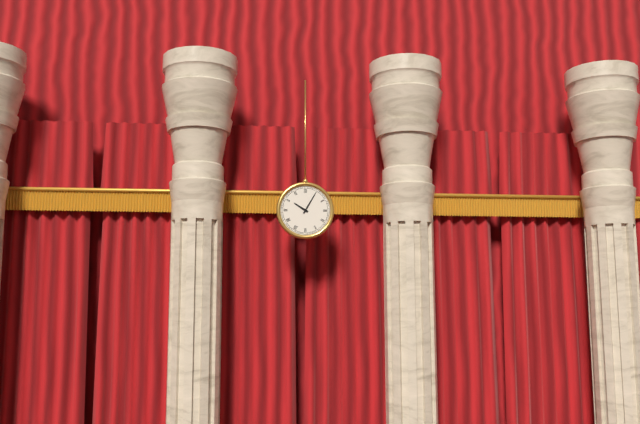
10:05
